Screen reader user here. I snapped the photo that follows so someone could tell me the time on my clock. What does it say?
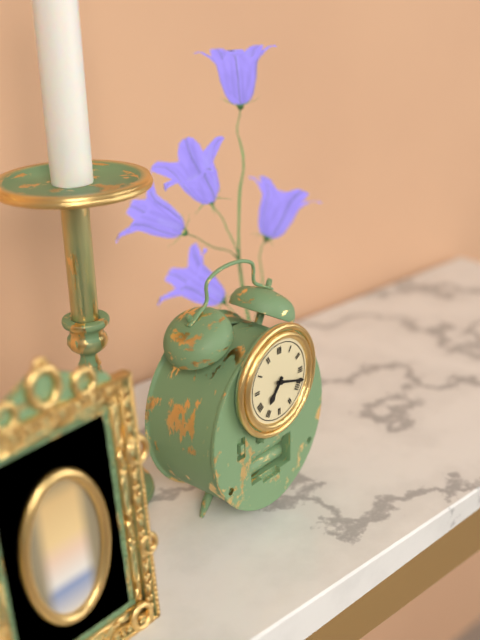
7:18
